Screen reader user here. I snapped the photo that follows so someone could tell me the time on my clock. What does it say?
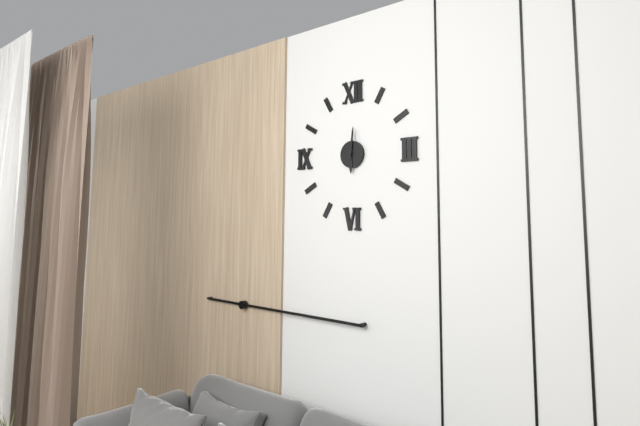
6:01
